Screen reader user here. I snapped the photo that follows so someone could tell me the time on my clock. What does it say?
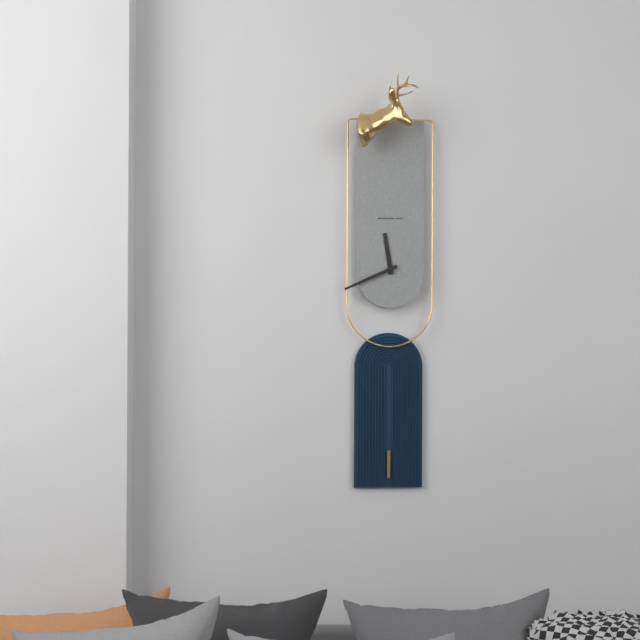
11:41
